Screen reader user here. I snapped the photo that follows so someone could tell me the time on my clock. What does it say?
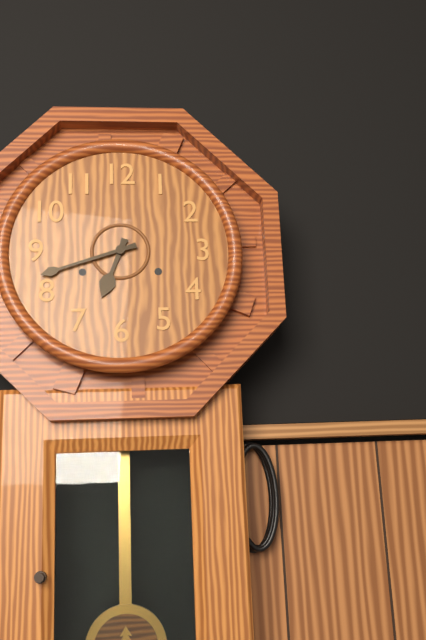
6:42
